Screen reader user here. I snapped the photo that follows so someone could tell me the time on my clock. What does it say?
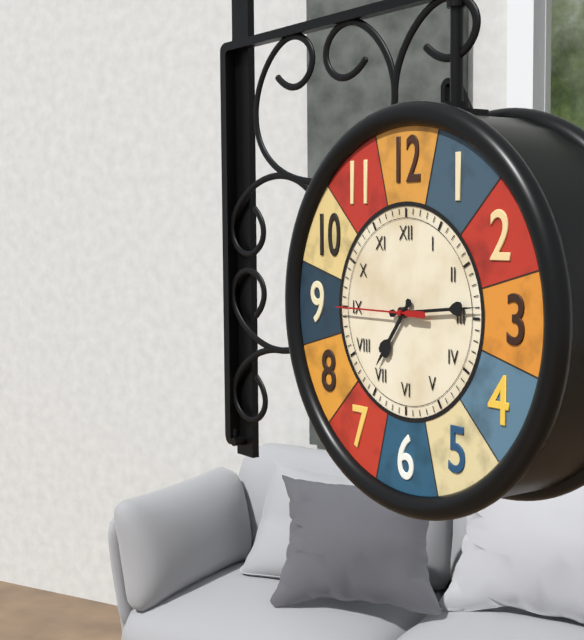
7:14:45
